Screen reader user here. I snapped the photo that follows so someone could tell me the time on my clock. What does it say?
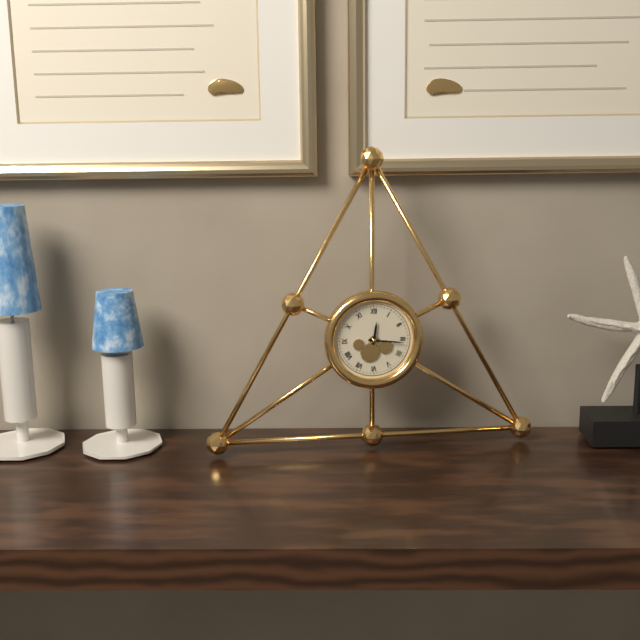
12:16
